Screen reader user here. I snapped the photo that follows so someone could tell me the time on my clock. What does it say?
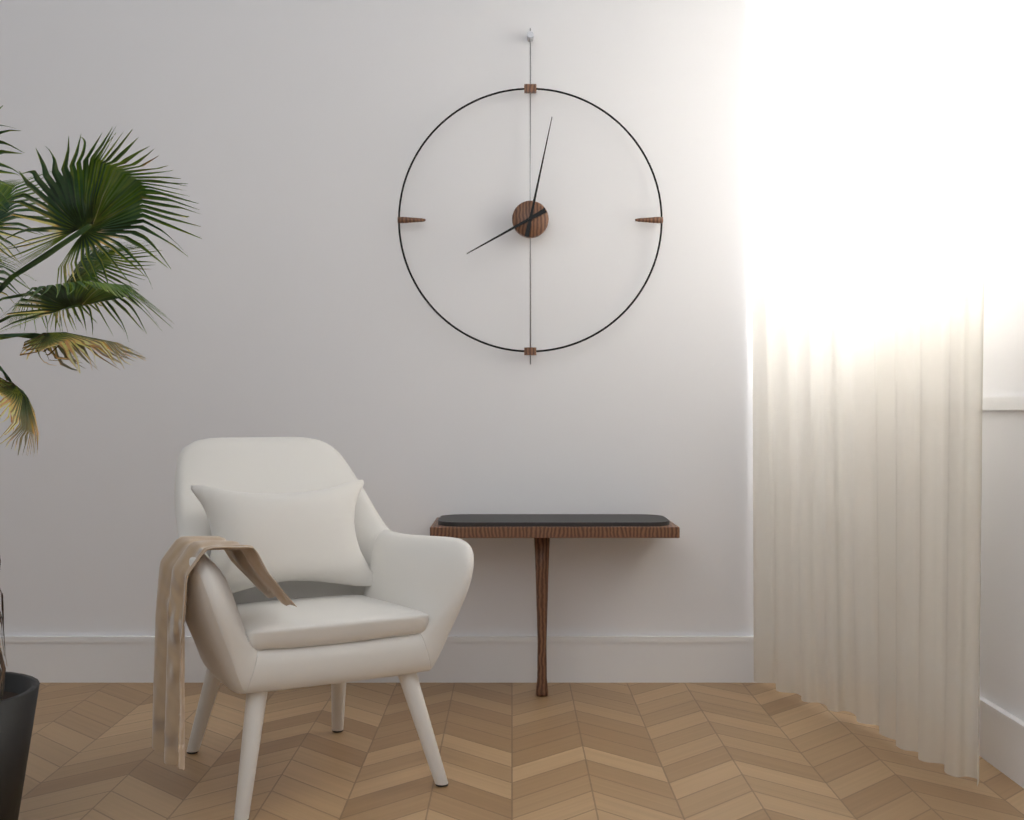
8:02
